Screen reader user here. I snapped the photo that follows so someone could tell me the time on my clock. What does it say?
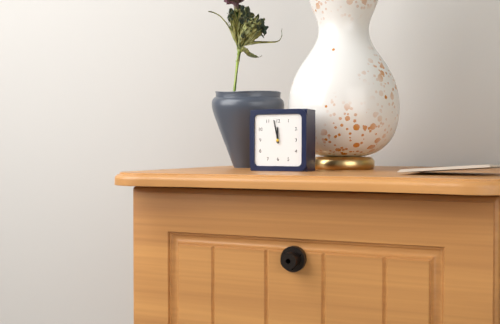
11:58
